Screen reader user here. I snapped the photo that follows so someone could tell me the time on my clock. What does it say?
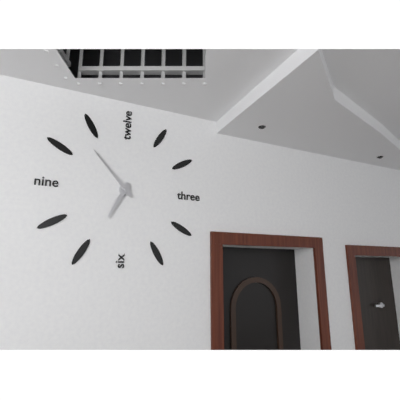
6:53
